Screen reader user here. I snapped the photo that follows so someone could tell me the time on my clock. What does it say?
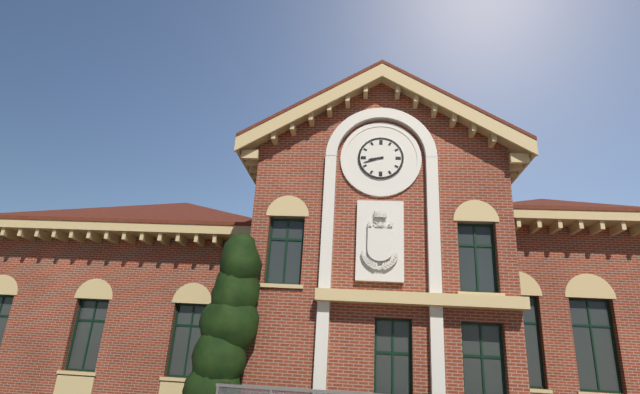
8:42
